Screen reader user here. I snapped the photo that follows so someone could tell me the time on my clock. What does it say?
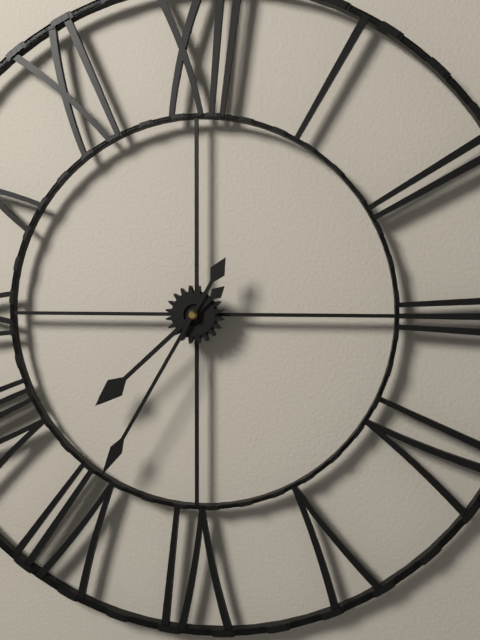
7:35
